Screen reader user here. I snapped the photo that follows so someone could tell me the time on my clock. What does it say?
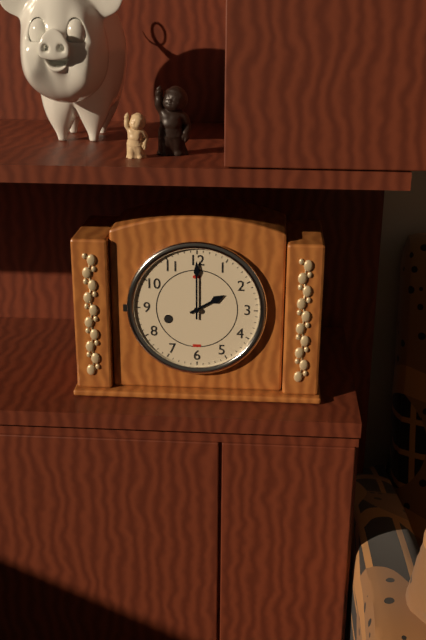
2:00
